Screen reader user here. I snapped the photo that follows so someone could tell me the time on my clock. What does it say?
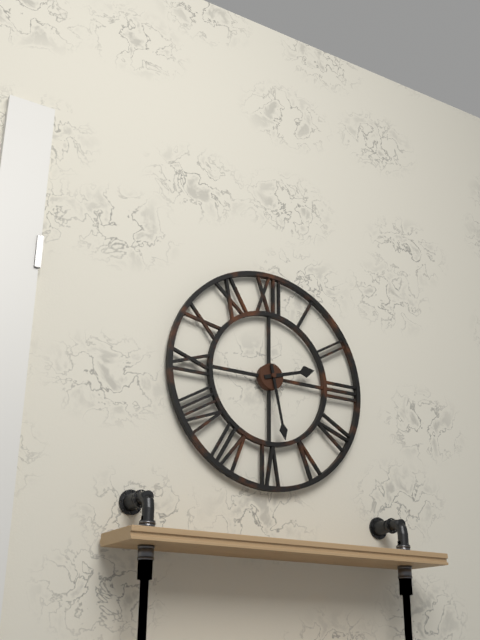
2:28
